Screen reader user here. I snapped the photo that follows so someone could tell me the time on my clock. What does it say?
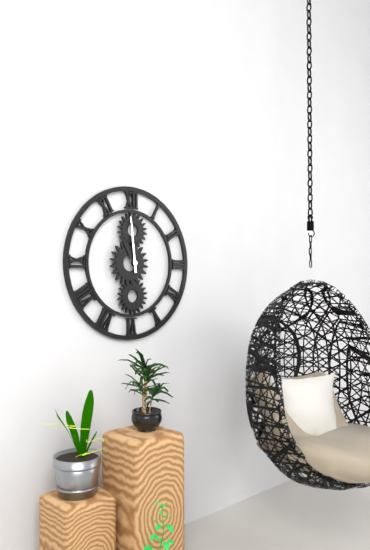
10:59
